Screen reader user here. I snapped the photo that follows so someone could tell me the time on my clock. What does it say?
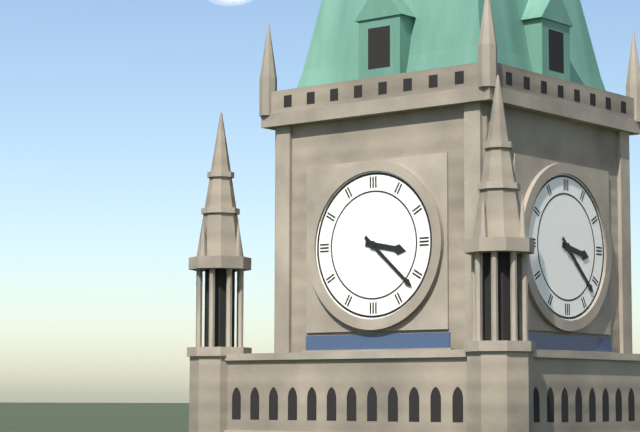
3:22
